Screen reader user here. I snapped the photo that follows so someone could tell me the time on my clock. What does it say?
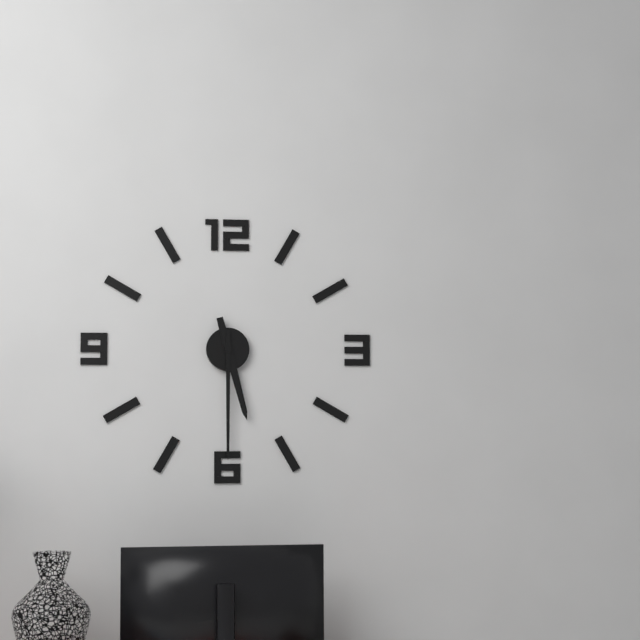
5:30
